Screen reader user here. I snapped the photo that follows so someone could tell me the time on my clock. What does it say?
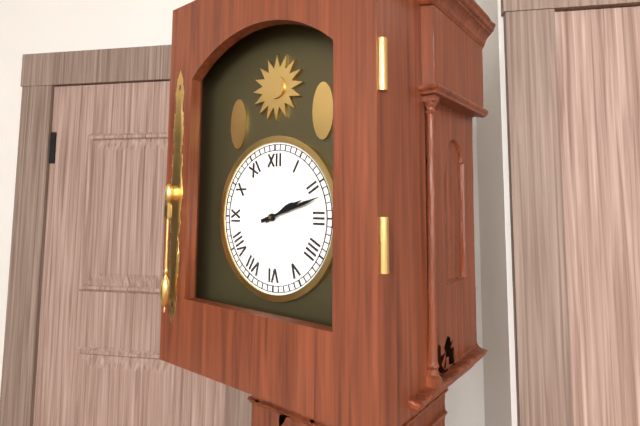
2:12
